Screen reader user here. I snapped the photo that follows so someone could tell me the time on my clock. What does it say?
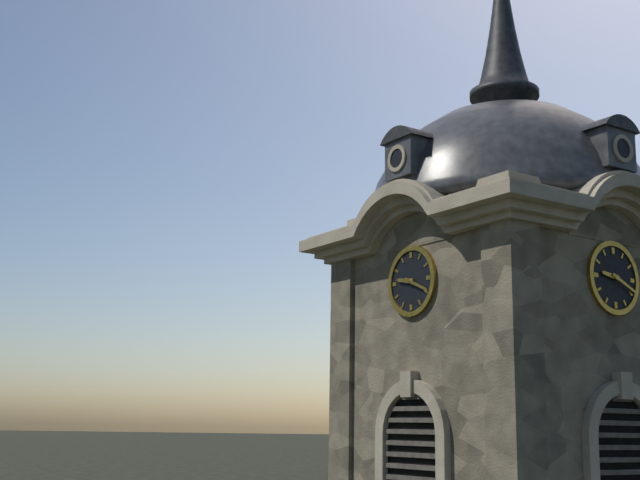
9:19
